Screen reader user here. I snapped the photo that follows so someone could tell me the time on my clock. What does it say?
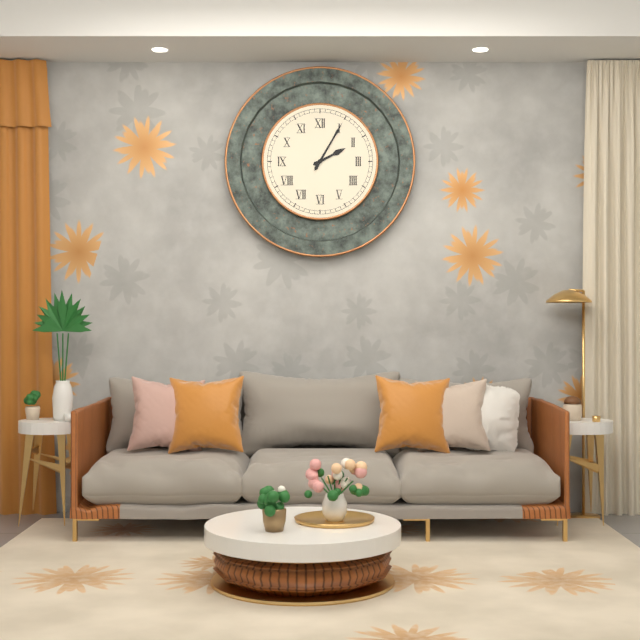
2:05
